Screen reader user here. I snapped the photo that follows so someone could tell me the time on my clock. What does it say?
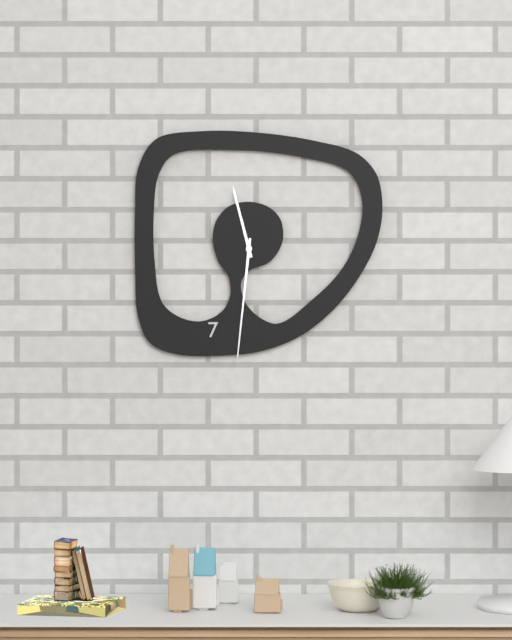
11:31
